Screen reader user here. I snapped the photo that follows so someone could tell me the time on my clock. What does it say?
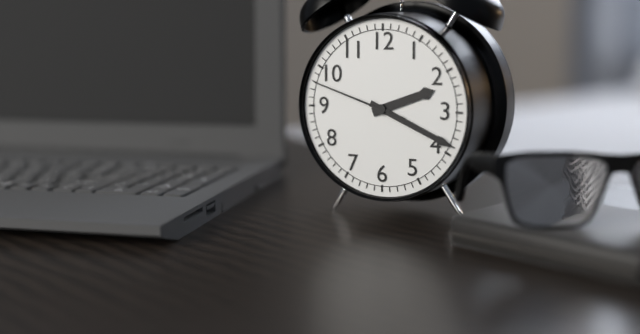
2:19:48
